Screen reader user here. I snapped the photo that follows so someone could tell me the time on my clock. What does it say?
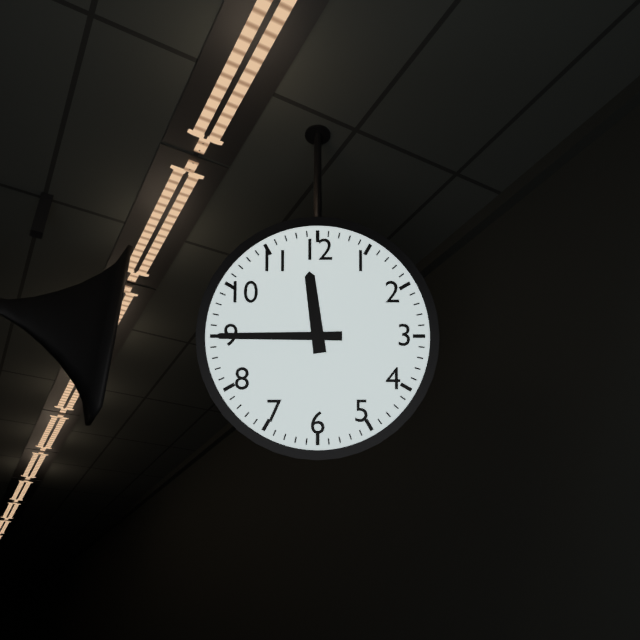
11:45
